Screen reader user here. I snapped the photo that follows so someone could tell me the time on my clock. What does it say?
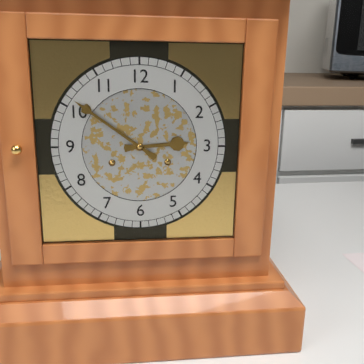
2:51
